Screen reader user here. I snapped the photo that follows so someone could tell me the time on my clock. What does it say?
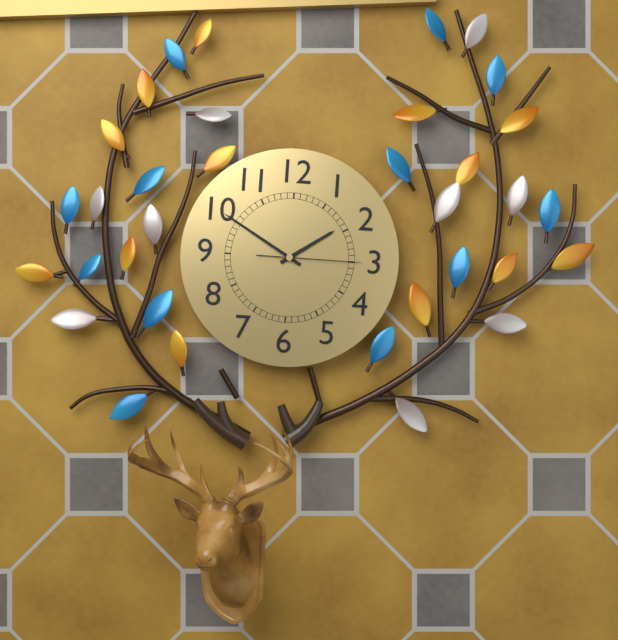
1:50:15
